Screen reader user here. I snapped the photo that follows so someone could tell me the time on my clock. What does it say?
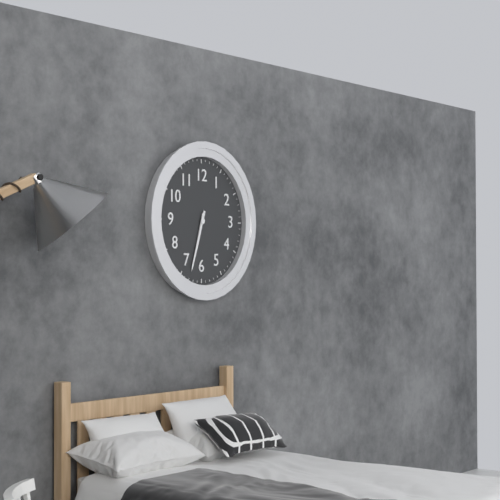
6:33
